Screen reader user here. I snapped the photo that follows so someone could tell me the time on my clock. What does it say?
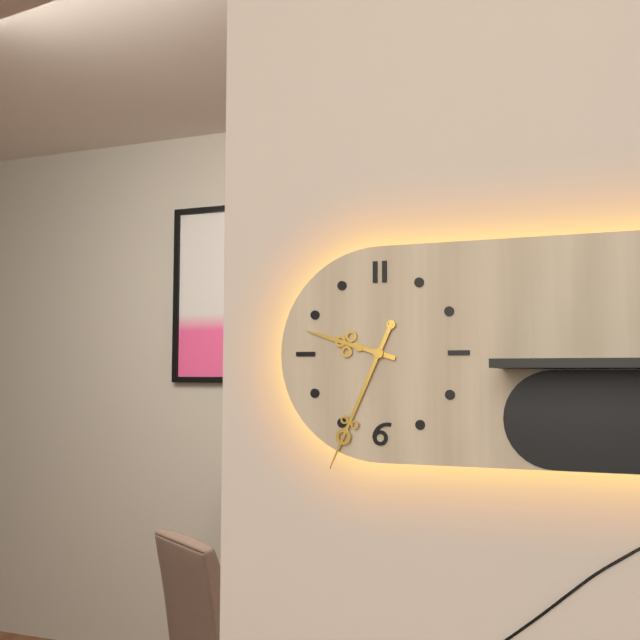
9:34
